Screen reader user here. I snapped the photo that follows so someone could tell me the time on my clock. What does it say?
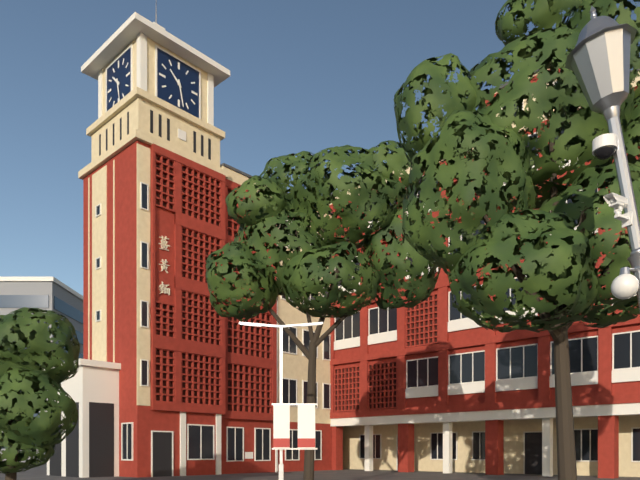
10:28
